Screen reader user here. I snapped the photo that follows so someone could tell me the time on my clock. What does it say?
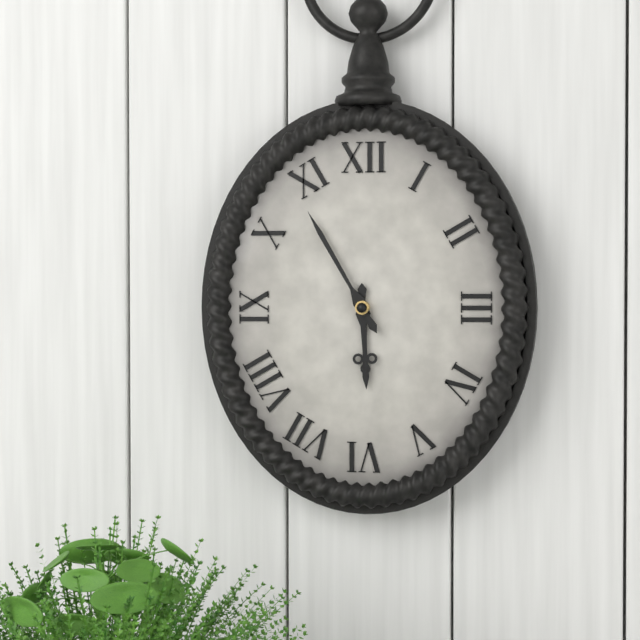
5:55
